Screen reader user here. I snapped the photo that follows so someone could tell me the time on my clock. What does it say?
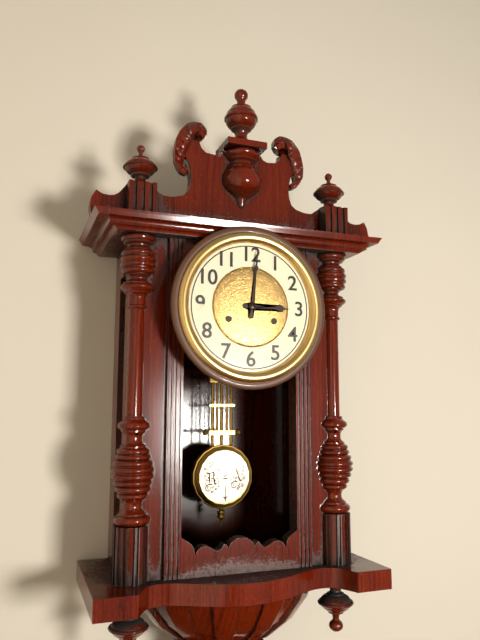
3:01
